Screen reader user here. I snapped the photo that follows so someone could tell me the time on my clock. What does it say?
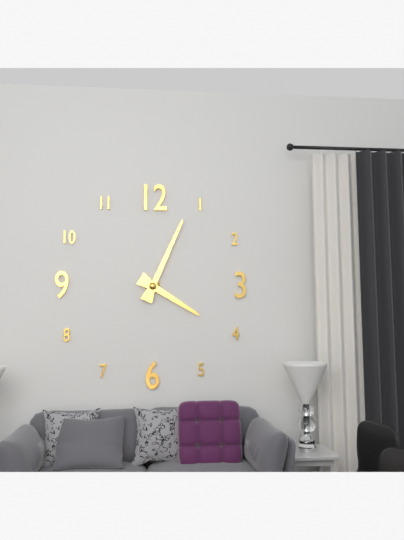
4:04
